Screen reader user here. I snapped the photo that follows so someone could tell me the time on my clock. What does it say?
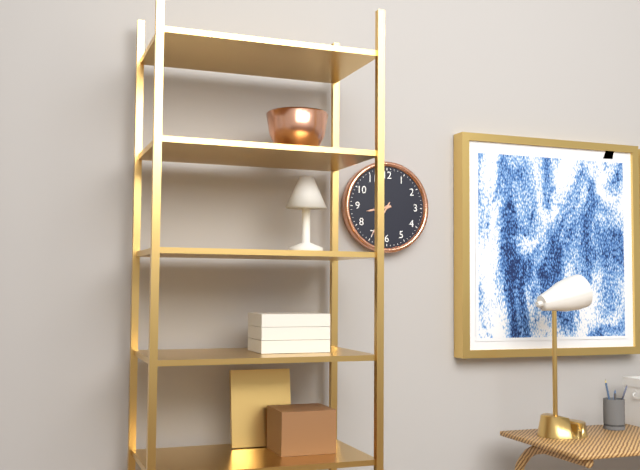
8:35
